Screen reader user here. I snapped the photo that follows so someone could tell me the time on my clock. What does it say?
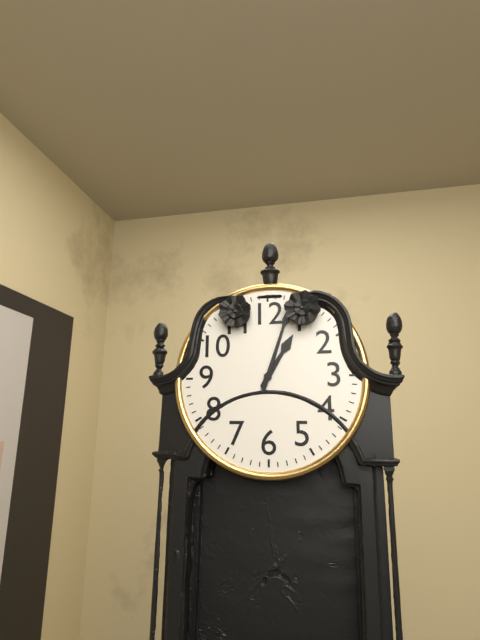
1:03
